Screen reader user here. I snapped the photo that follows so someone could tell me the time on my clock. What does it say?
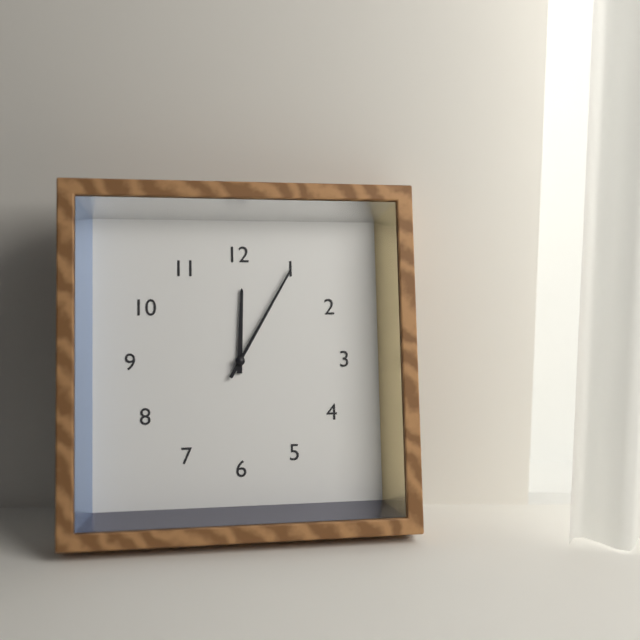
12:05
